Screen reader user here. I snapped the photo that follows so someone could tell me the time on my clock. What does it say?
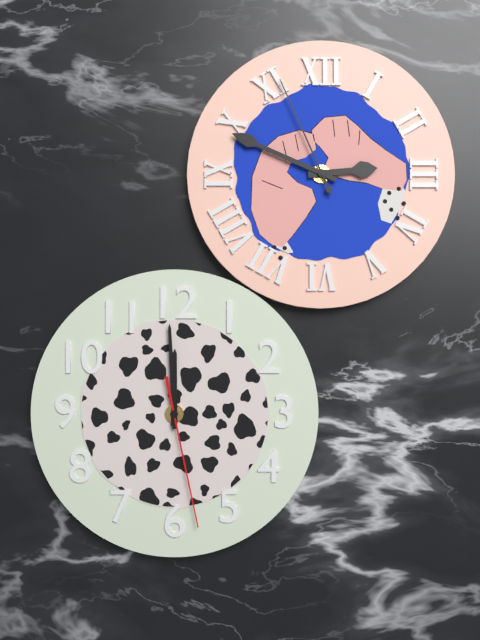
2:49:56
